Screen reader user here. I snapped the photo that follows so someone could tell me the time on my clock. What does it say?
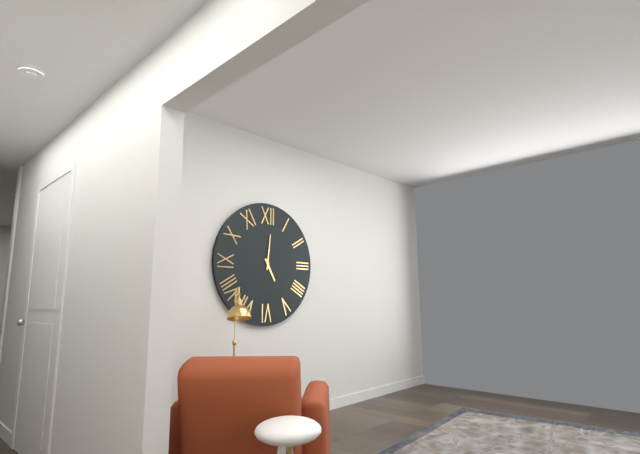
5:01
